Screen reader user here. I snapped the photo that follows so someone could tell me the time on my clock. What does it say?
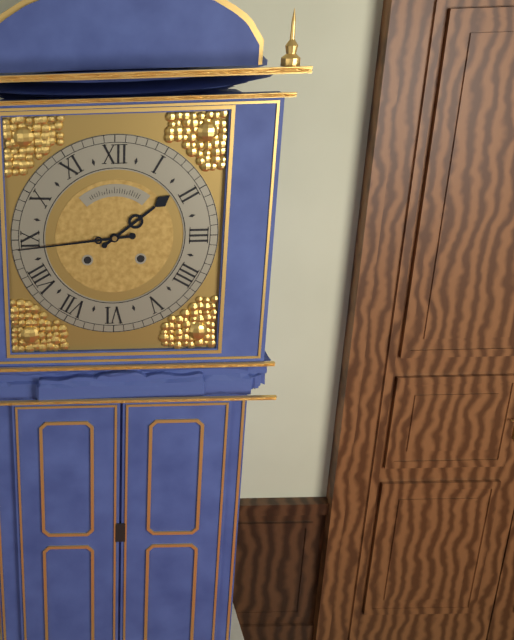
1:44
